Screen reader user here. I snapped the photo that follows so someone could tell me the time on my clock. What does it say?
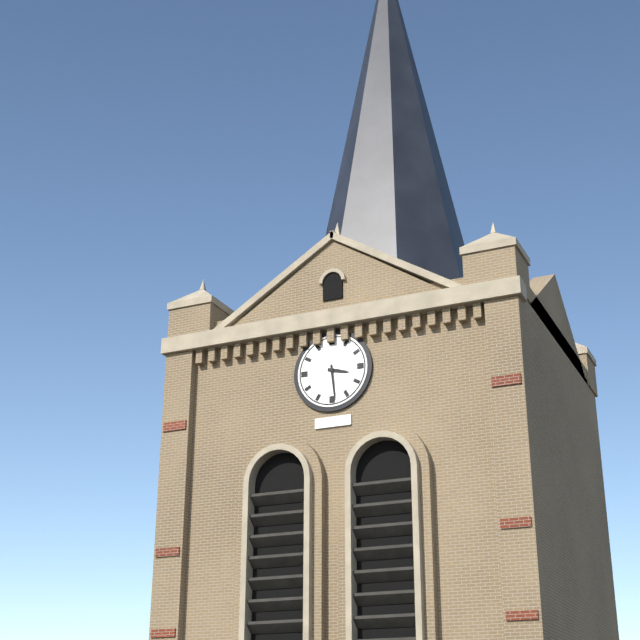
3:29
